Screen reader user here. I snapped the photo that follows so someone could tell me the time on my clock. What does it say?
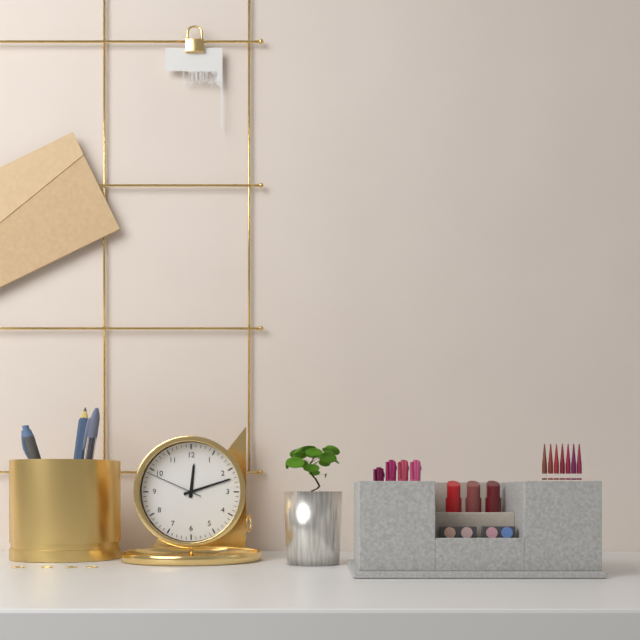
12:12:49
